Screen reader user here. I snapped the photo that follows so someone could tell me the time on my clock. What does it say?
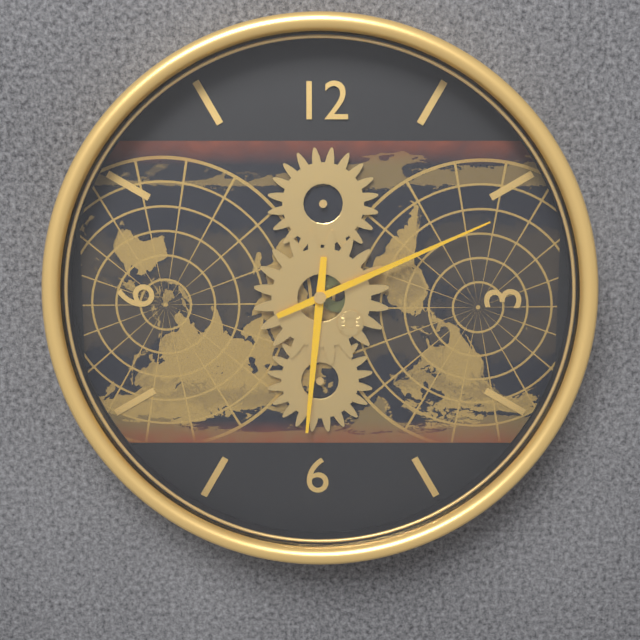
6:11
